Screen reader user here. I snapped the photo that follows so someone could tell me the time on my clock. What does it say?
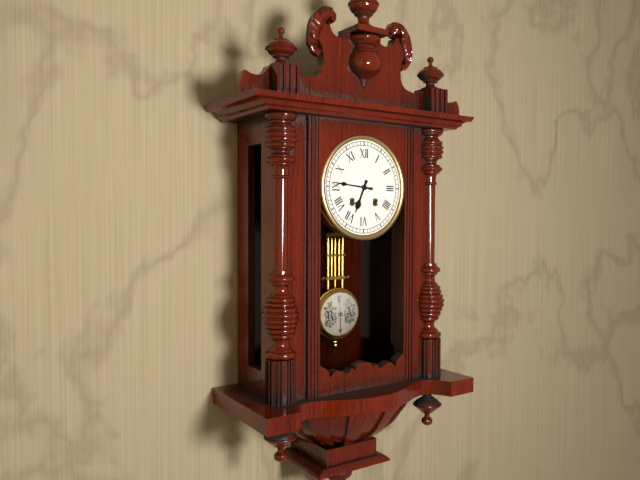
6:46
